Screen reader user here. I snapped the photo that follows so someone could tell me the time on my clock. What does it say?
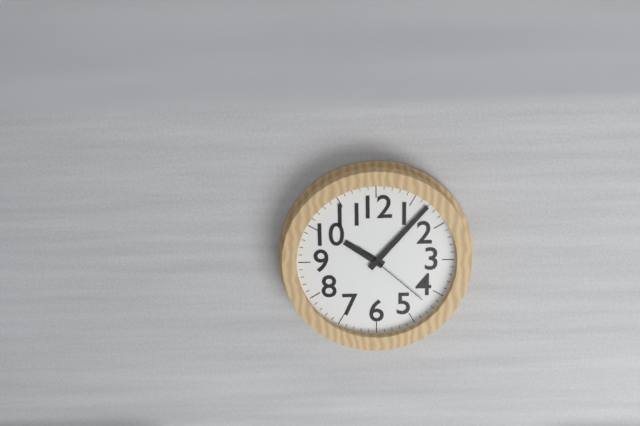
10:07:22
